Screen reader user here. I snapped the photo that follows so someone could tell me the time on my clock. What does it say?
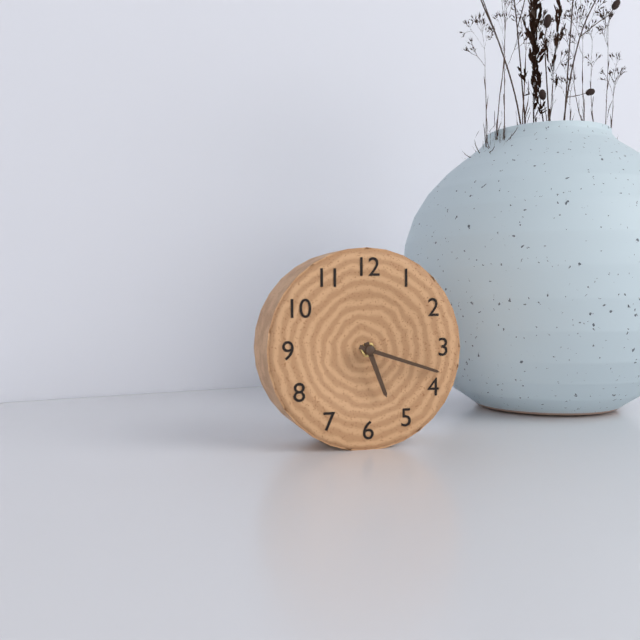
5:18
